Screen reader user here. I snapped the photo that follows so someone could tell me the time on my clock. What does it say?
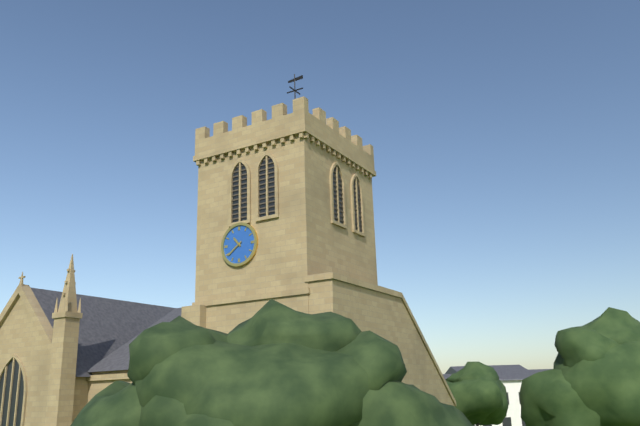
10:39
